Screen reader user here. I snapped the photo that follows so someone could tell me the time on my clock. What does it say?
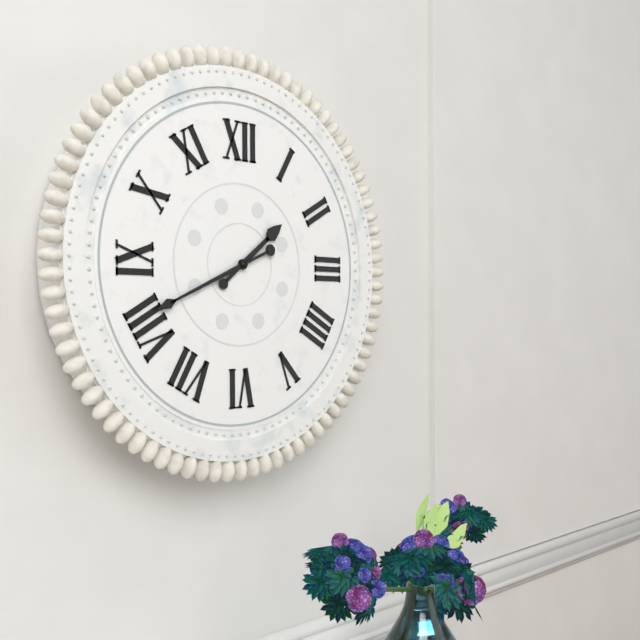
1:41
